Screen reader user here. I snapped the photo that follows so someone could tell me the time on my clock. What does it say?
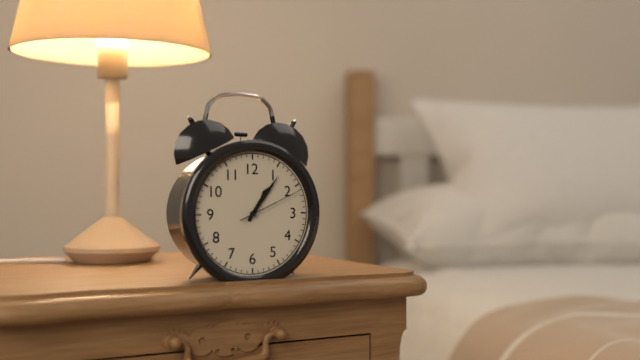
1:06:11
